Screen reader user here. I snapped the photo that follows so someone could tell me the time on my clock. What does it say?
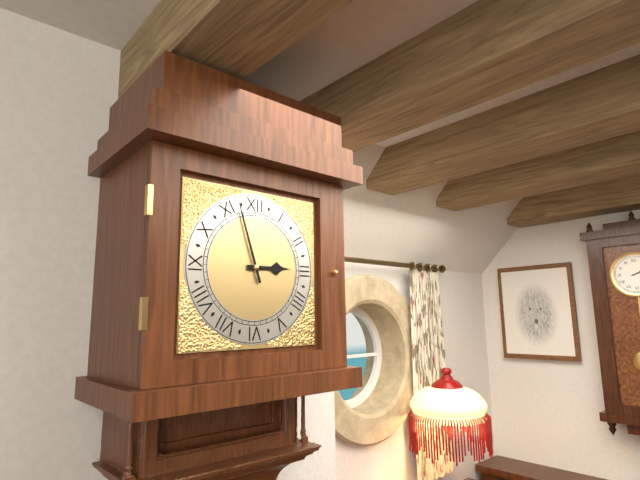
2:57
